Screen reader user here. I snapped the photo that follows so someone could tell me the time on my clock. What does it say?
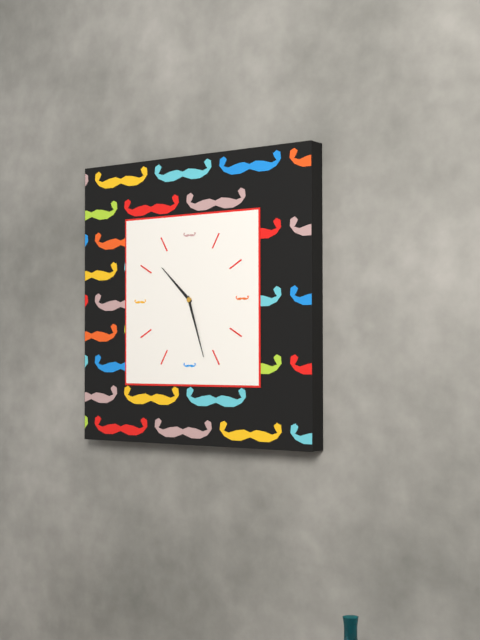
10:27
